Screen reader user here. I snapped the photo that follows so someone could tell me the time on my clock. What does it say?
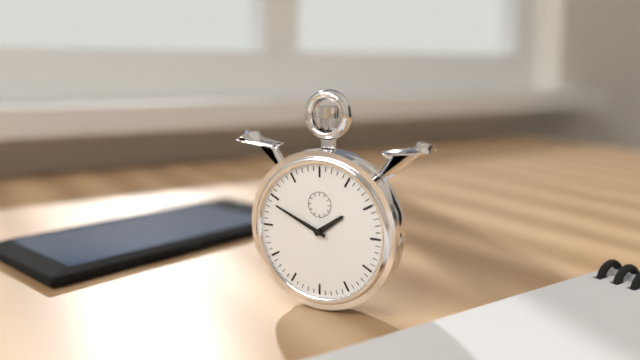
1:49
